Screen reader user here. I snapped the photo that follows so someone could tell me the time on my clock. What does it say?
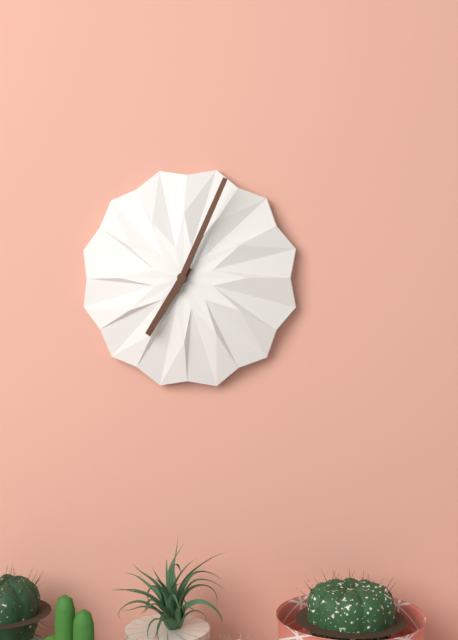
7:04
